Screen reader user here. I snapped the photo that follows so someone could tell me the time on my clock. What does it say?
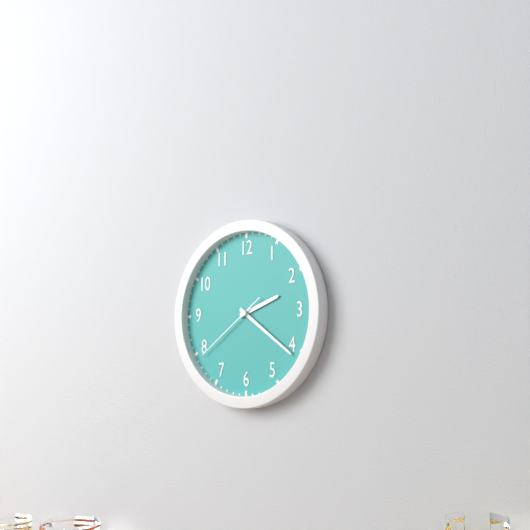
2:21:39
